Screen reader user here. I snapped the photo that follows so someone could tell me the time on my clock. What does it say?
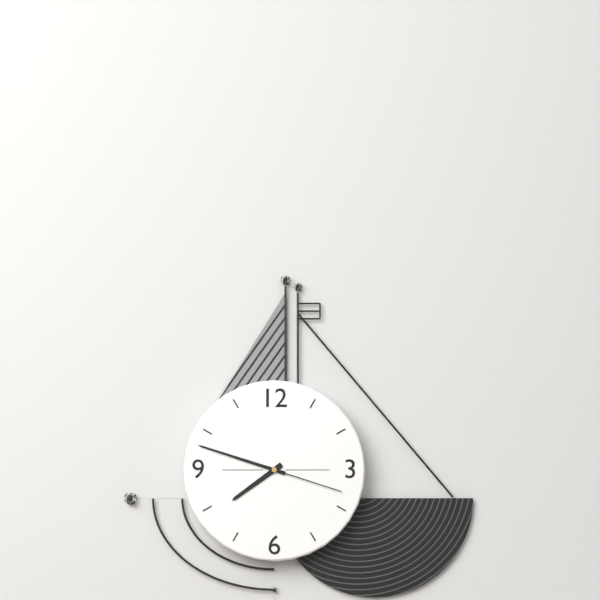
7:48:18
